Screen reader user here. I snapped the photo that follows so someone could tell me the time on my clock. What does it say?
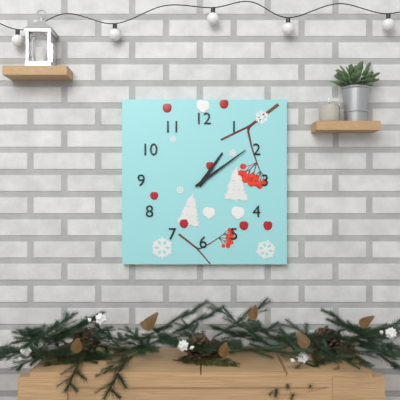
1:09
